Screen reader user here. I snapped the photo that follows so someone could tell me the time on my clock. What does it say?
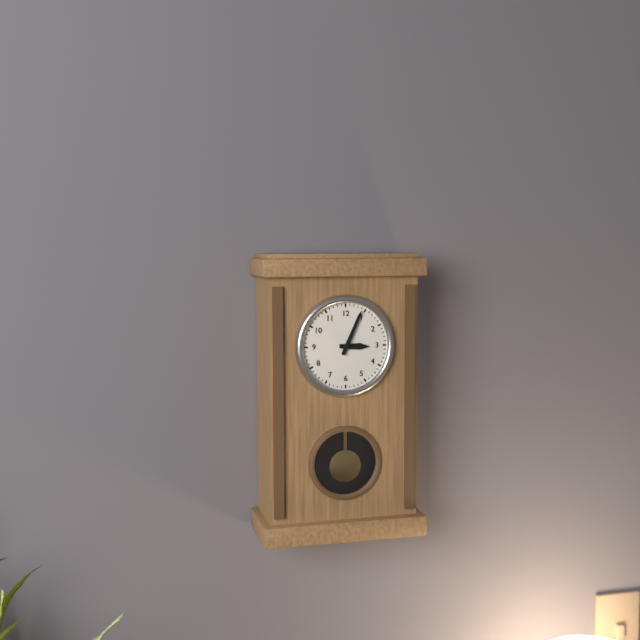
3:04
